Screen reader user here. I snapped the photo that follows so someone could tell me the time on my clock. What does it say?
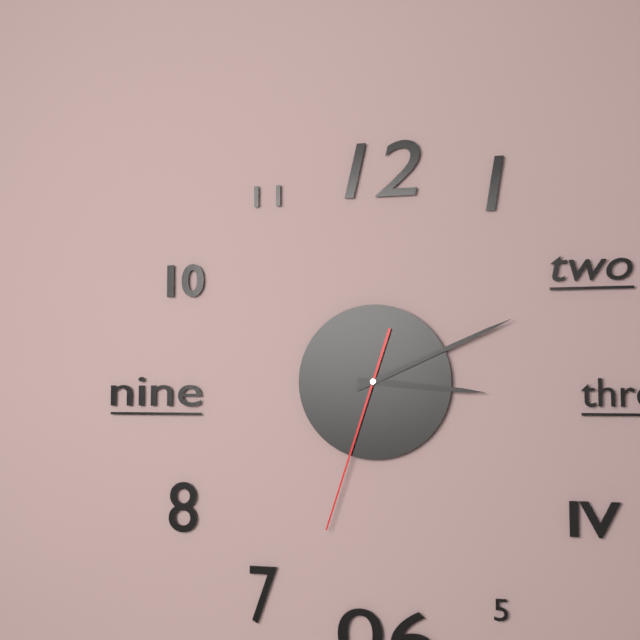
3:11:33
